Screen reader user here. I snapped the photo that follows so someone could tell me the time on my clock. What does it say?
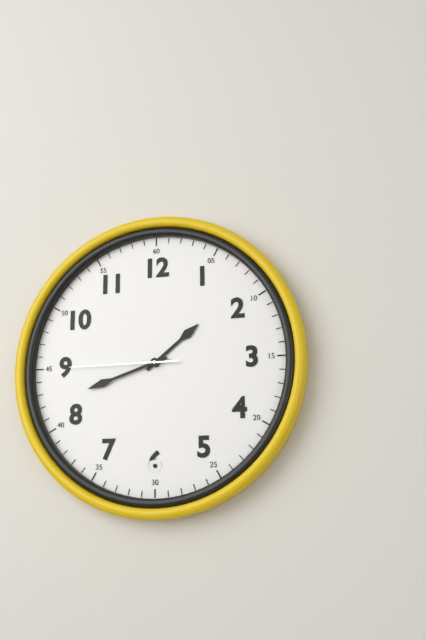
1:42:45
